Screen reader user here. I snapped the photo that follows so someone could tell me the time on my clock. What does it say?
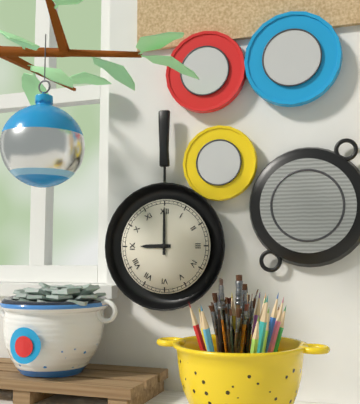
9:00
